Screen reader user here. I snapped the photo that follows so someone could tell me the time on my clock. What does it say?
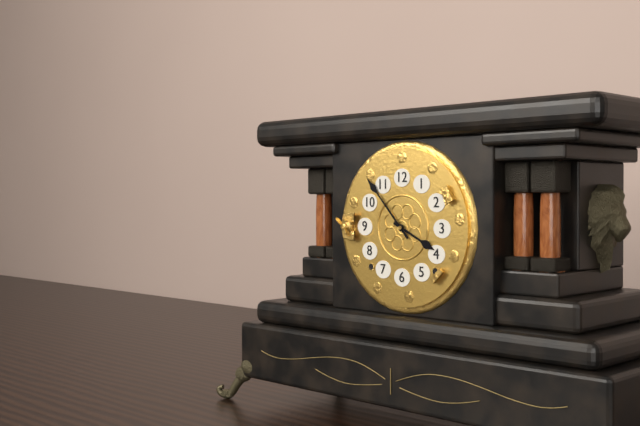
3:53
